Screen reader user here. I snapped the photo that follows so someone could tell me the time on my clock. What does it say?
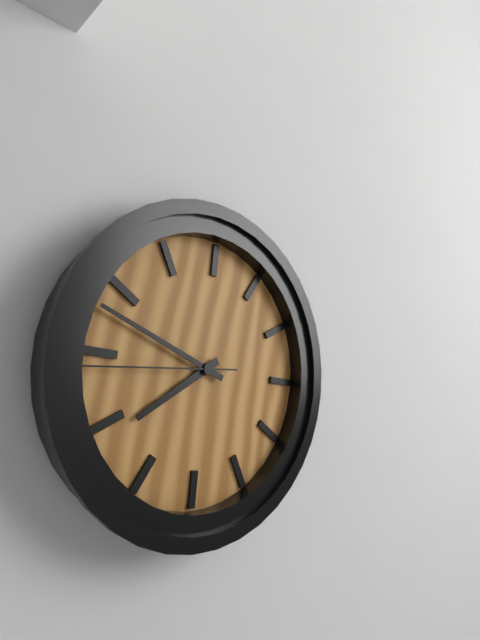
7:48:44
